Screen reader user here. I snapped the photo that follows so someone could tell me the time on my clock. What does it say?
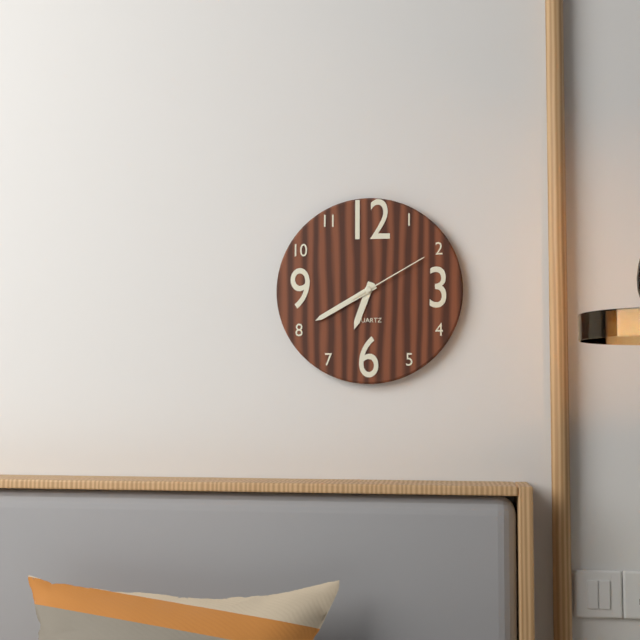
6:40:10
